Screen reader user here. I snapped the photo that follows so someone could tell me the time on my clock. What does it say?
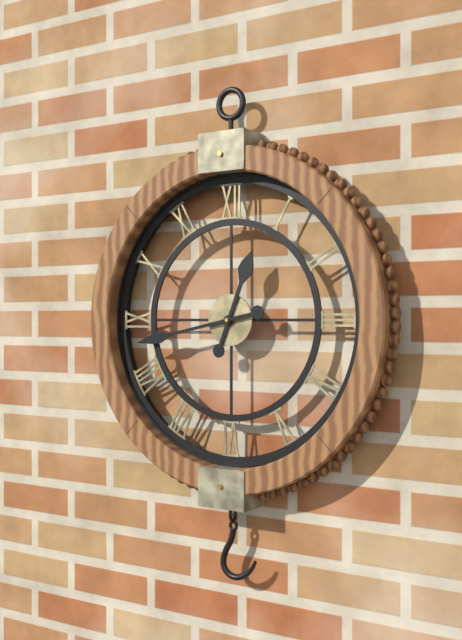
12:43
